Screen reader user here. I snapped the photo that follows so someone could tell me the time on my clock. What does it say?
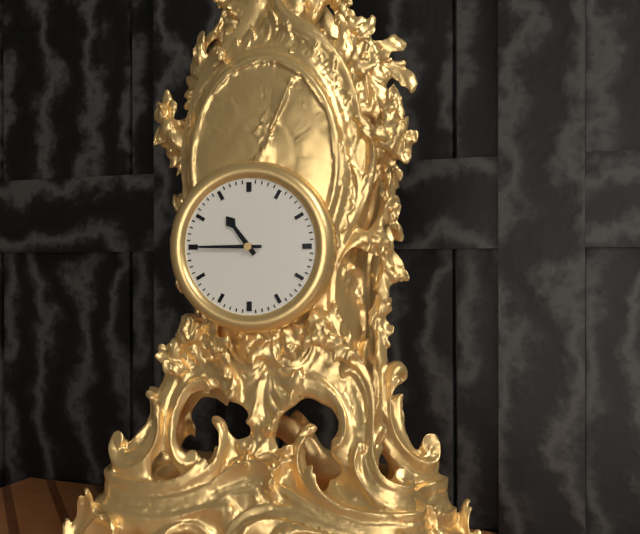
10:45
